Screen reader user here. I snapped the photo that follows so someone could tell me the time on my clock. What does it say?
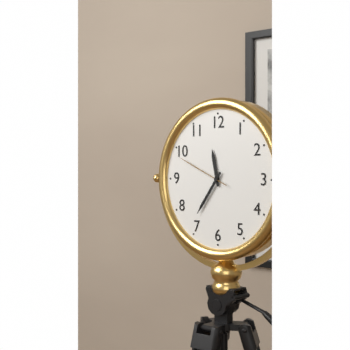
11:36:49
